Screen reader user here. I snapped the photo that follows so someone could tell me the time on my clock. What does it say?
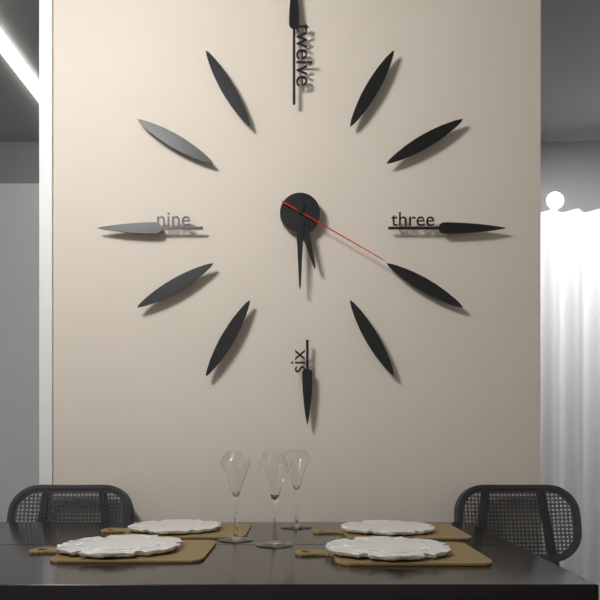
5:30:20
